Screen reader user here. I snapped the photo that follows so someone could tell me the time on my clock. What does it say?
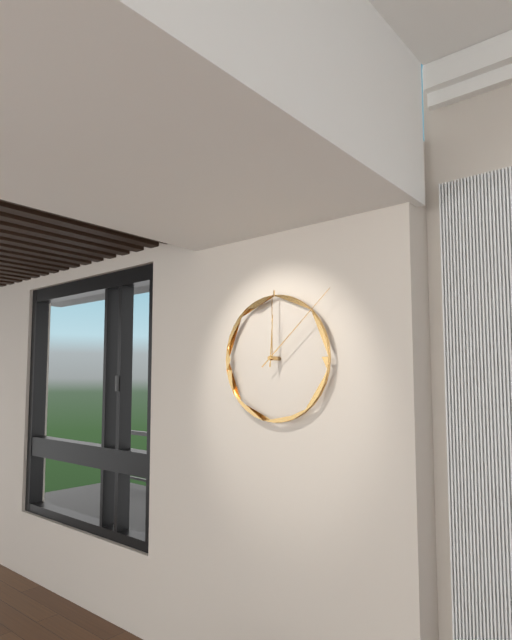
12:08
